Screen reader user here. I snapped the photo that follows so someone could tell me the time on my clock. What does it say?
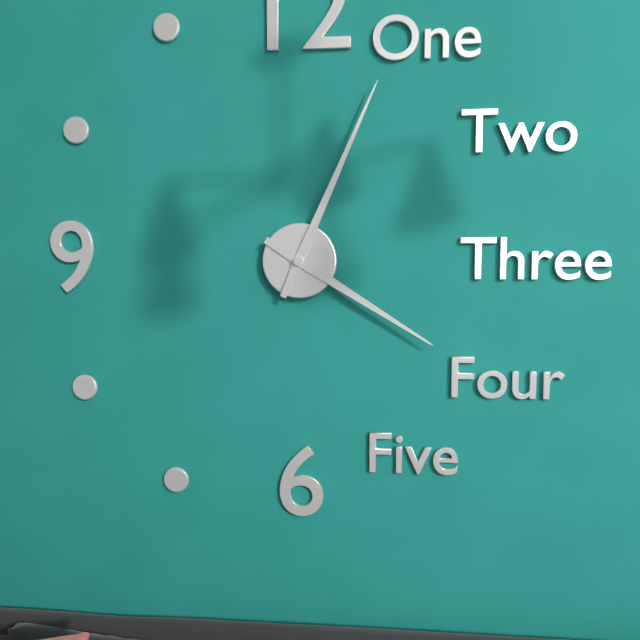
4:04
